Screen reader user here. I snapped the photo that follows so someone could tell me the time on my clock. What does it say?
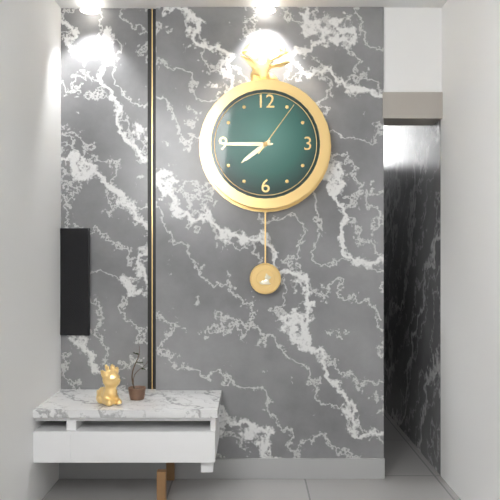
7:45:06
